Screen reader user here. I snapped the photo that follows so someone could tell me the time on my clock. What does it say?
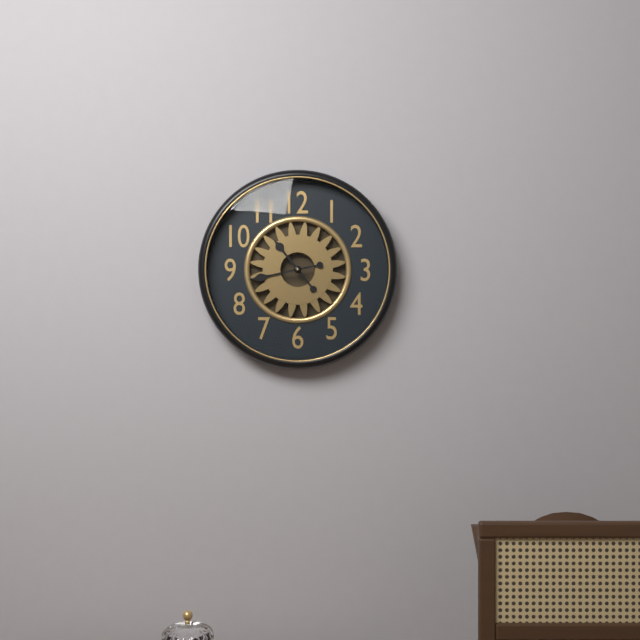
10:43
